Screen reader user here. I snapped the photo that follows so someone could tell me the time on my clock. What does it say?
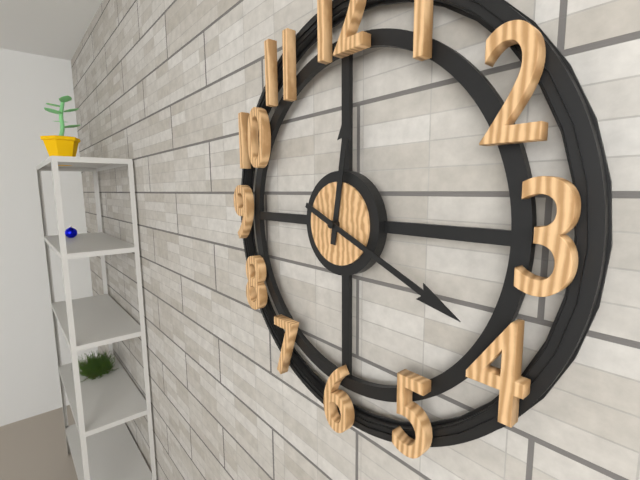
12:19
